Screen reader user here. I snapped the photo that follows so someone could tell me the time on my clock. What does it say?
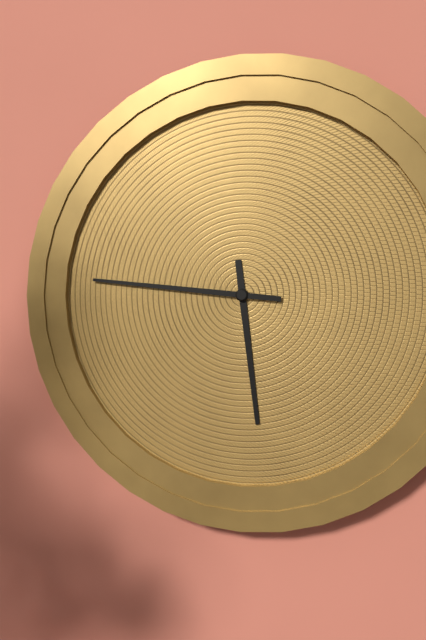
5:46
